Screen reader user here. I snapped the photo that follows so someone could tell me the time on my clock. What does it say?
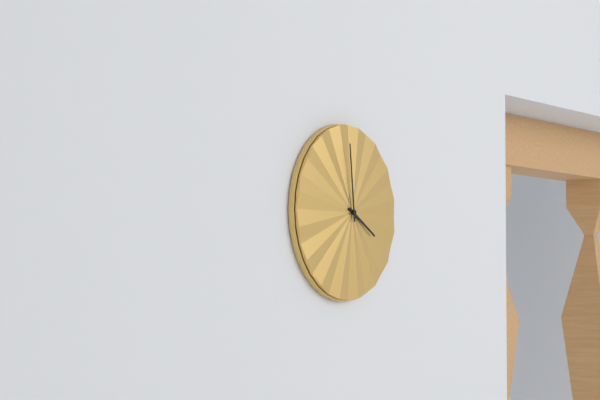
3:59
